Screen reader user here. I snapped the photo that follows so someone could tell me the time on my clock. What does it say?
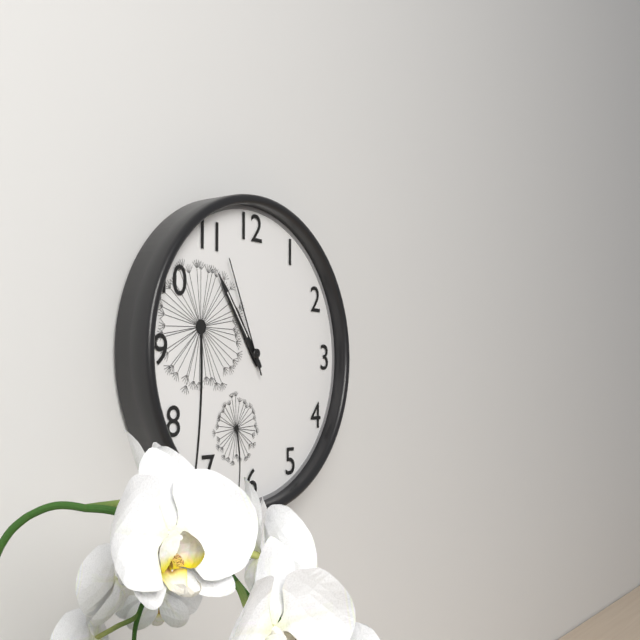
10:54:56
